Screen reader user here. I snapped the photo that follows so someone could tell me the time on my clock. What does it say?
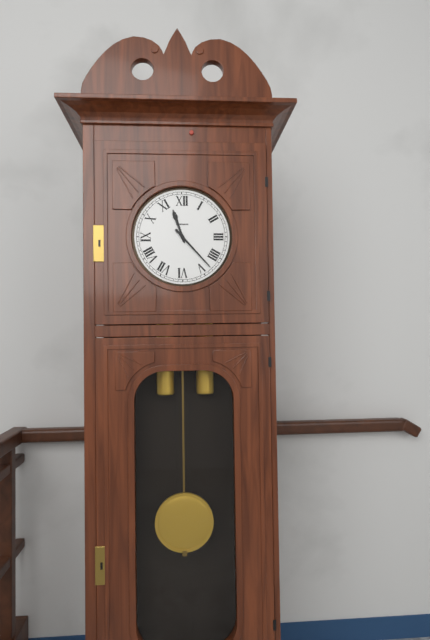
11:23
